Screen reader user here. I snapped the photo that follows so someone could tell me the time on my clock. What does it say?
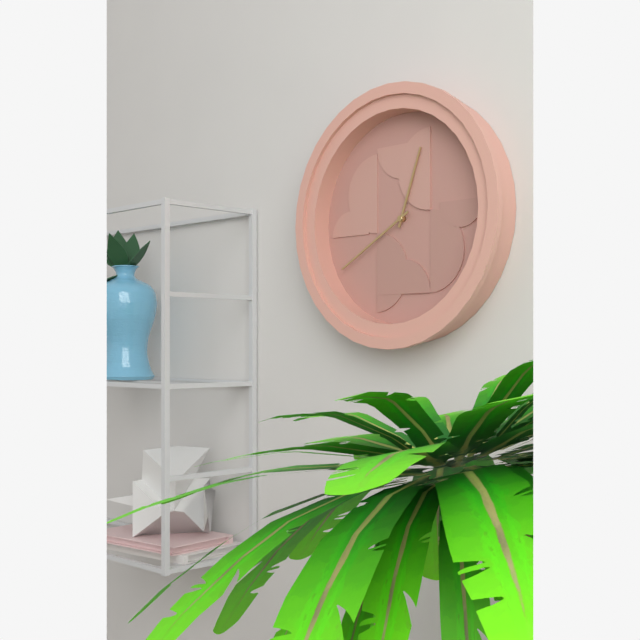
12:40
